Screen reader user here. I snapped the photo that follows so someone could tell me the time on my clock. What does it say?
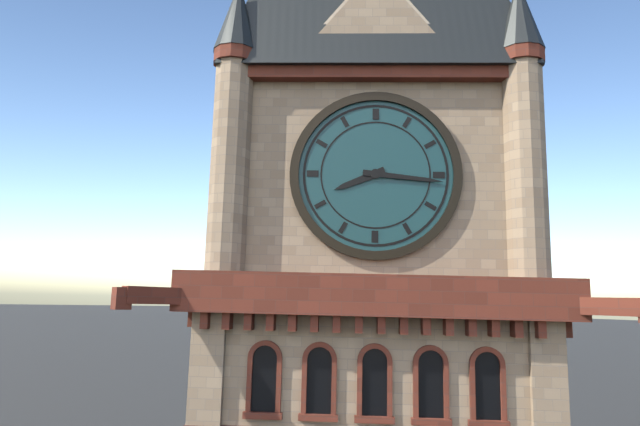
8:16
